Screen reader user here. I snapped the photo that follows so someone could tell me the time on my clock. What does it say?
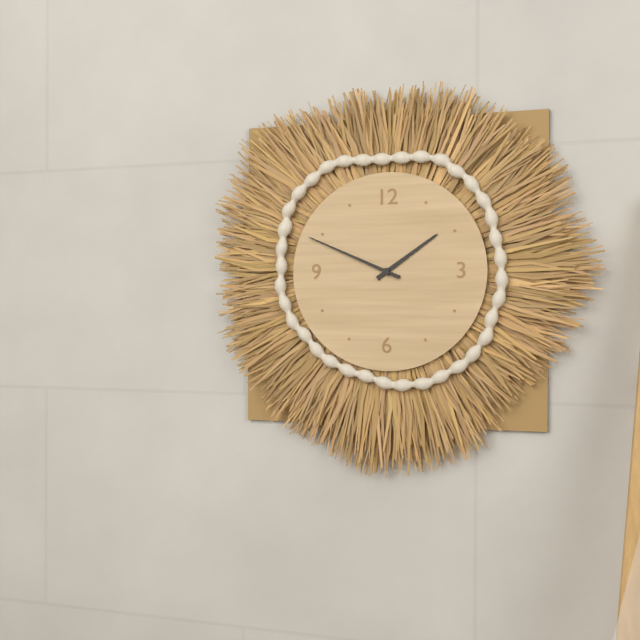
1:49
